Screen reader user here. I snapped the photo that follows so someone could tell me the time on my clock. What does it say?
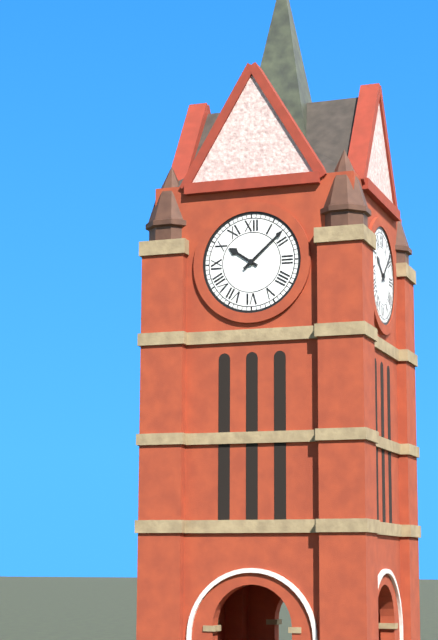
10:08
